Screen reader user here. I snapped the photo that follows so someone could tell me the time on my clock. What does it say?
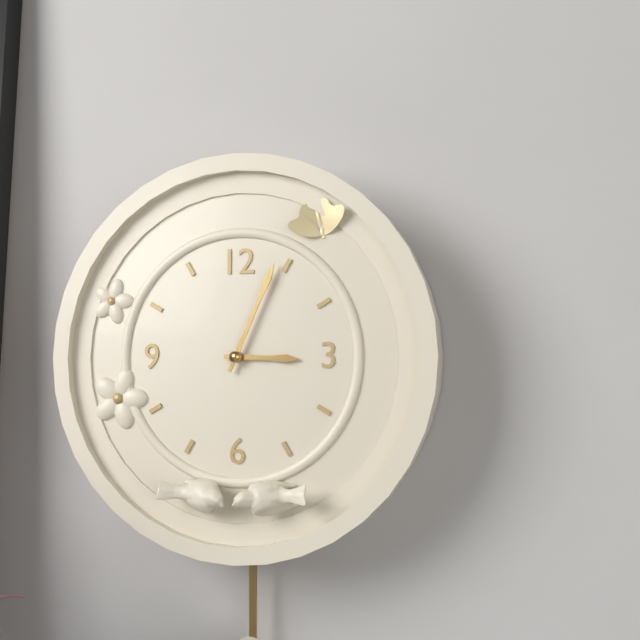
3:04
